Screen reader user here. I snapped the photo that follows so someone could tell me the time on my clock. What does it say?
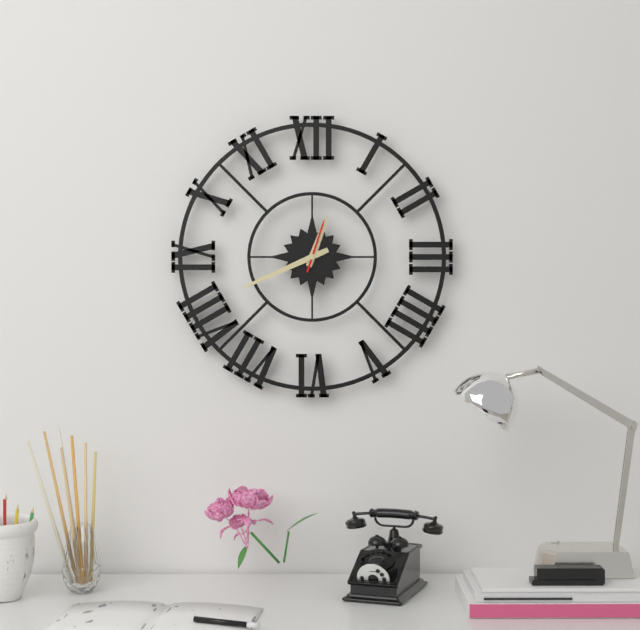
12:41:03
